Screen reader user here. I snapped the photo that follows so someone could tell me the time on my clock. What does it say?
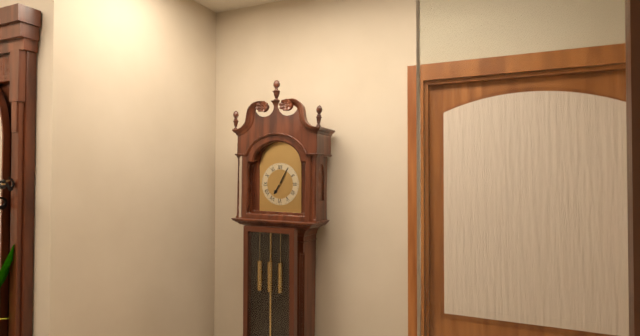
7:05
